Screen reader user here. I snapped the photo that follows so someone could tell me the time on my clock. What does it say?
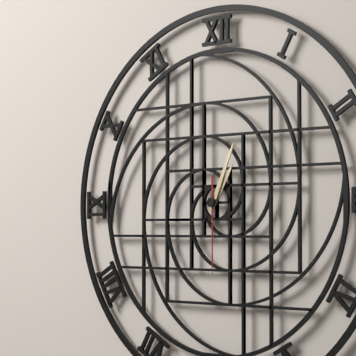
1:04:30
